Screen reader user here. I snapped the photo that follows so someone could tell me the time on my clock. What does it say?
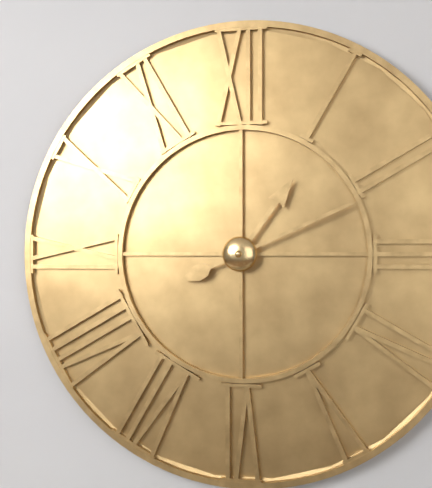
1:11
